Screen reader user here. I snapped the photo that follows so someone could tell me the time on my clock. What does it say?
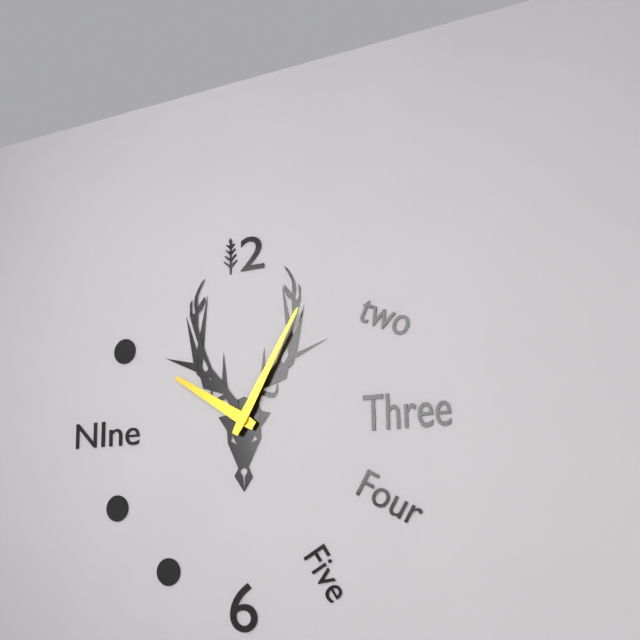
10:05
